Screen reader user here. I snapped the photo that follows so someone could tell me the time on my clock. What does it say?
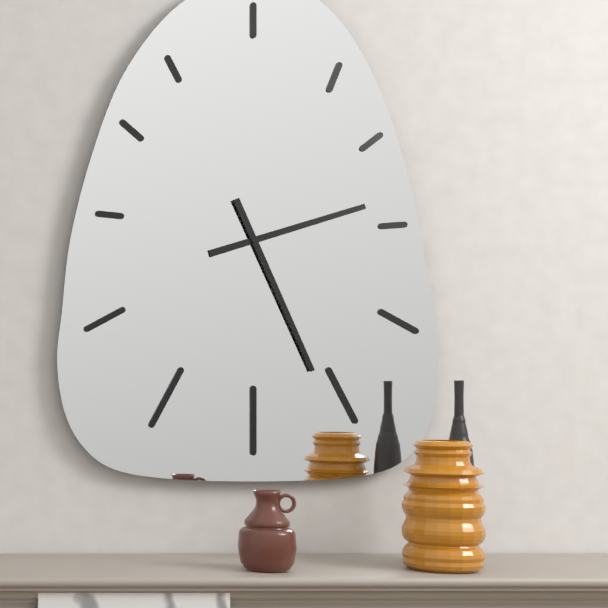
2:26
